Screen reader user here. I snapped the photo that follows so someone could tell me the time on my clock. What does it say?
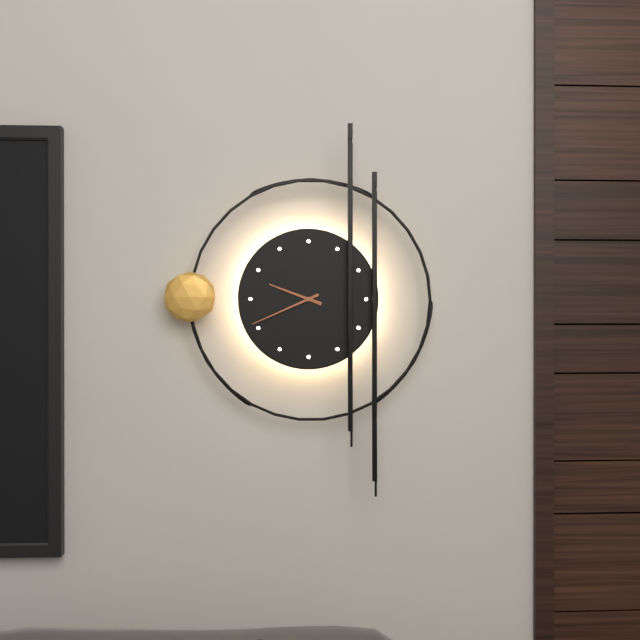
9:41
